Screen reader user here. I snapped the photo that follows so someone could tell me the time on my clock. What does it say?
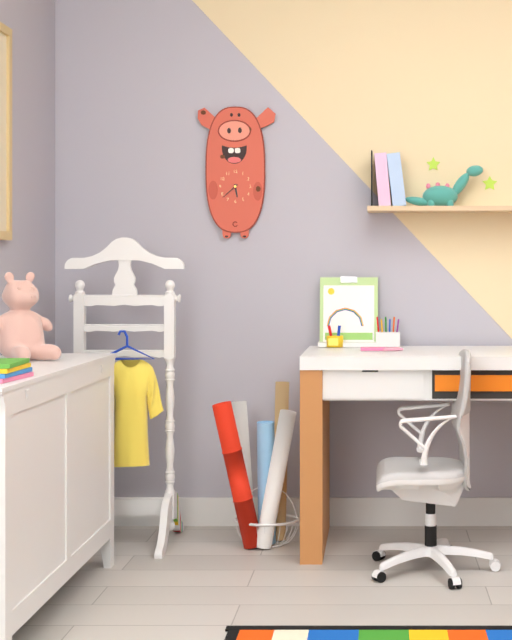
5:38
